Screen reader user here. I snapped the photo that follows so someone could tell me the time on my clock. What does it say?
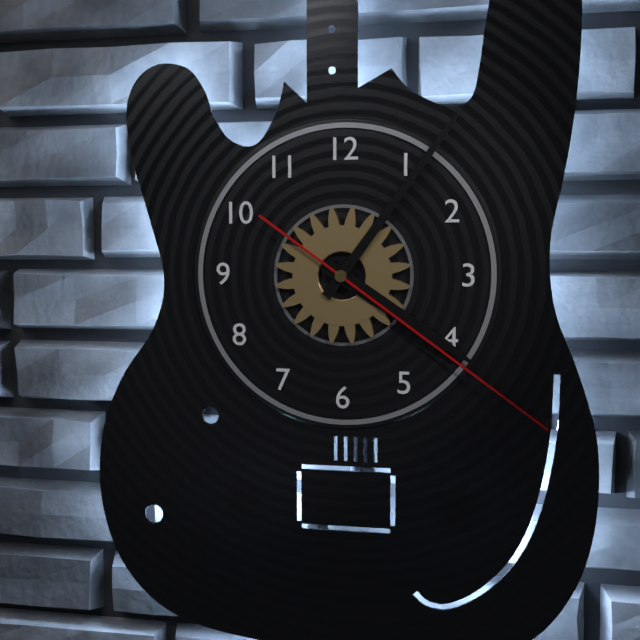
4:06:21
